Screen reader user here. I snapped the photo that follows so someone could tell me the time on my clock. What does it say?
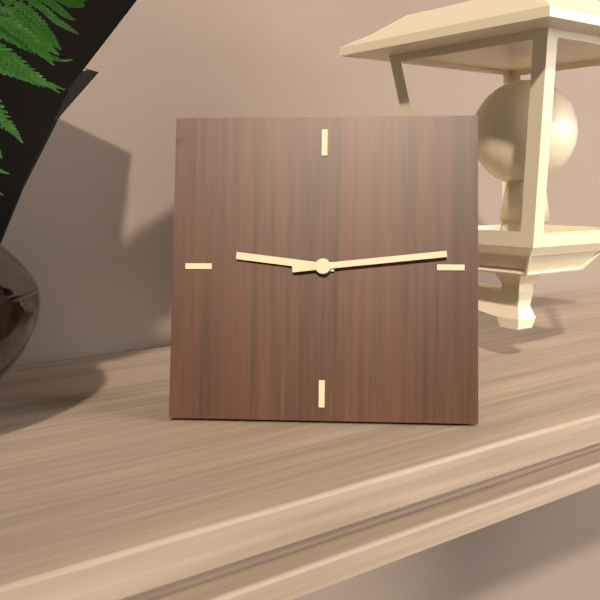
9:14
